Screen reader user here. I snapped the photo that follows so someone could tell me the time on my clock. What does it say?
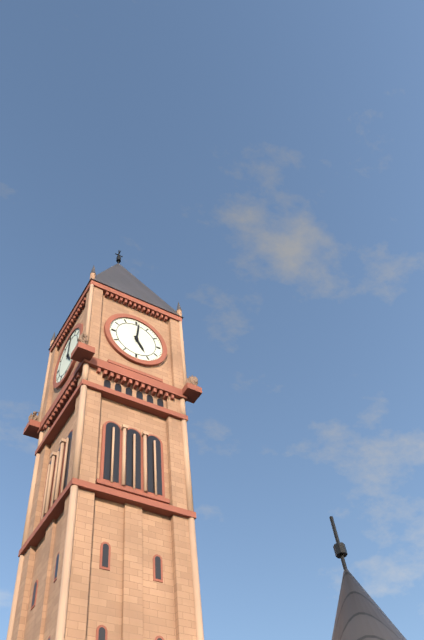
5:01
